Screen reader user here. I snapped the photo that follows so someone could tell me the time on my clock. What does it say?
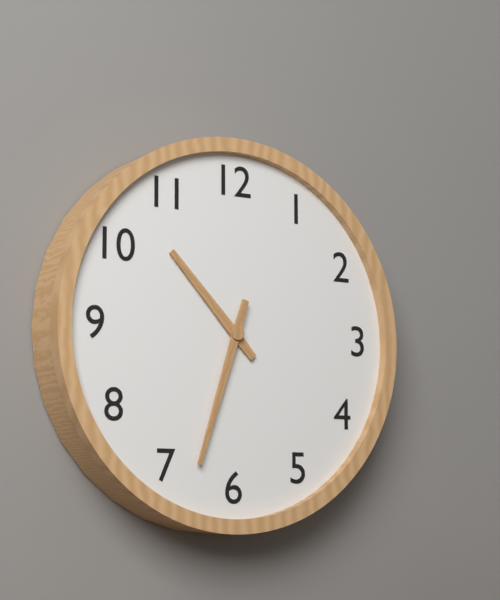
10:33
